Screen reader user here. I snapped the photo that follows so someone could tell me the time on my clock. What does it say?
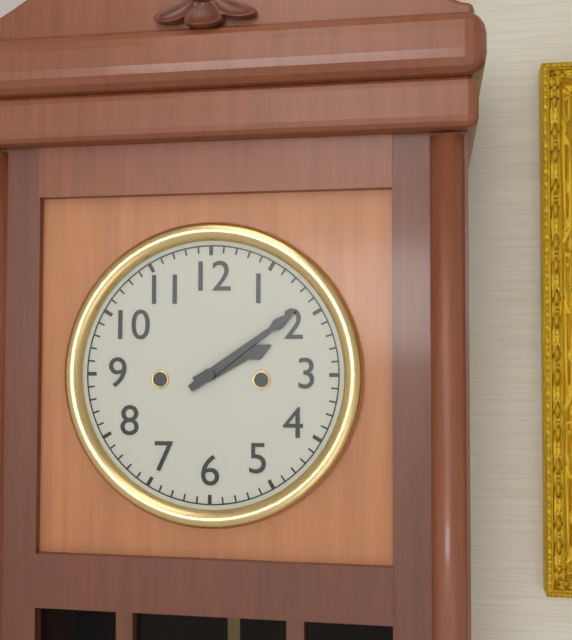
2:09
